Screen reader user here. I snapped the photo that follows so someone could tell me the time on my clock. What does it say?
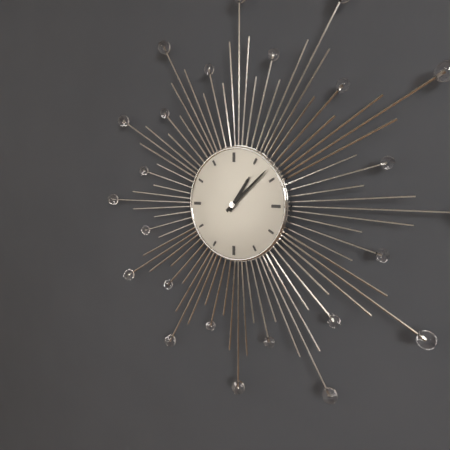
1:08
